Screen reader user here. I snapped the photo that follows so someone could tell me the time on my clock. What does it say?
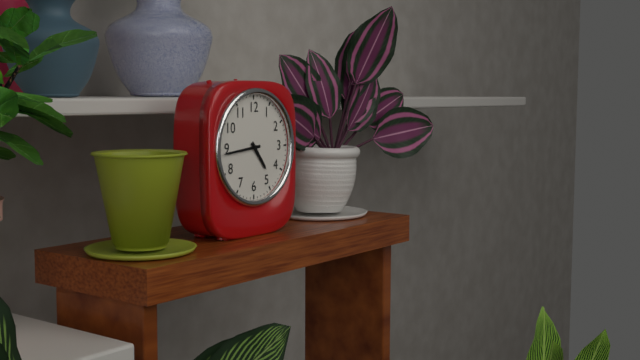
4:44
